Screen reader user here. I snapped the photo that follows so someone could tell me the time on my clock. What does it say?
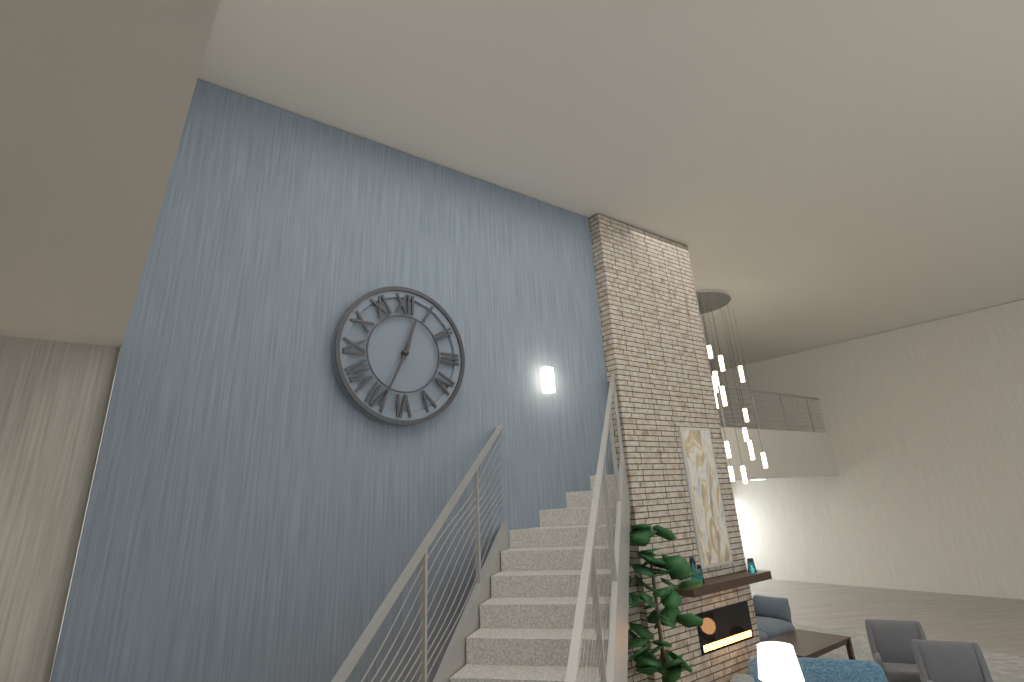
12:34
